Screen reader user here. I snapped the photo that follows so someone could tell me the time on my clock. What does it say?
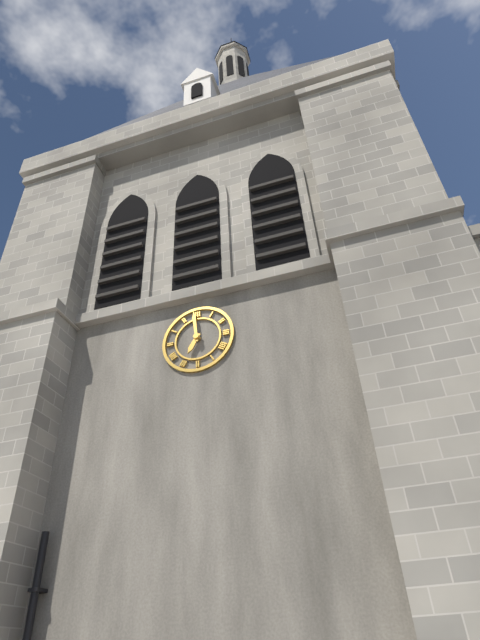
6:59
